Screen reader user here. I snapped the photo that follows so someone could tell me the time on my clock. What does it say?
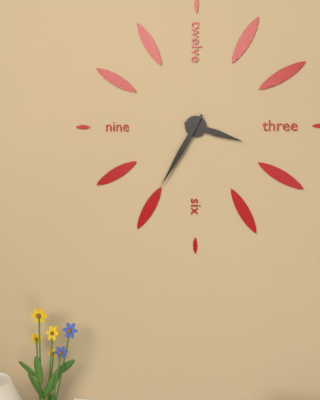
3:35
